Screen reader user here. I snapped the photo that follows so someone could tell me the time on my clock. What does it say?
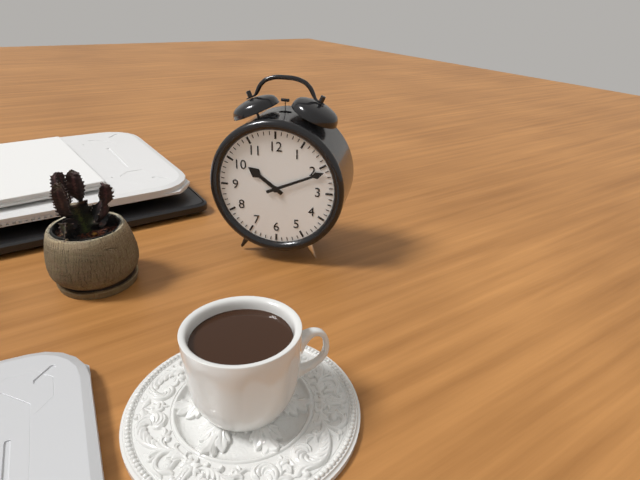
10:11
